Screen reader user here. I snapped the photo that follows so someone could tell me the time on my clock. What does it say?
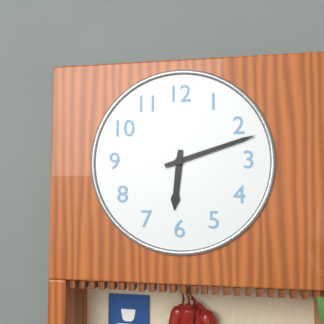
6:12
